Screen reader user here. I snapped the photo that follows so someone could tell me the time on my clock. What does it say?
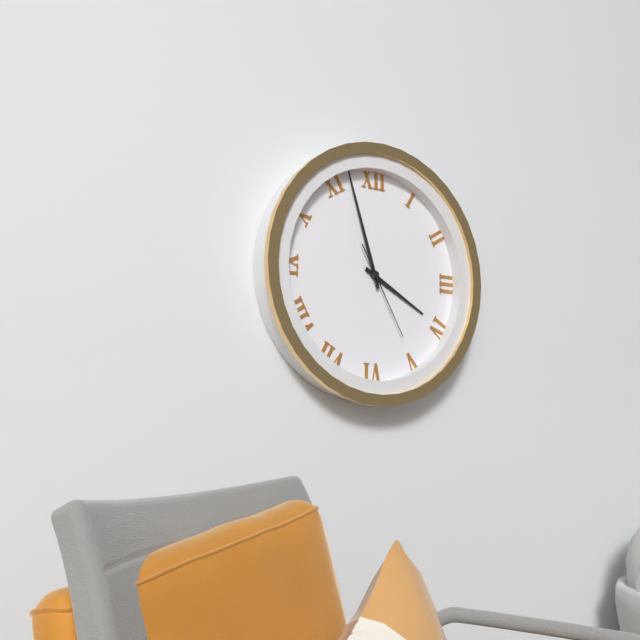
3:57:25
